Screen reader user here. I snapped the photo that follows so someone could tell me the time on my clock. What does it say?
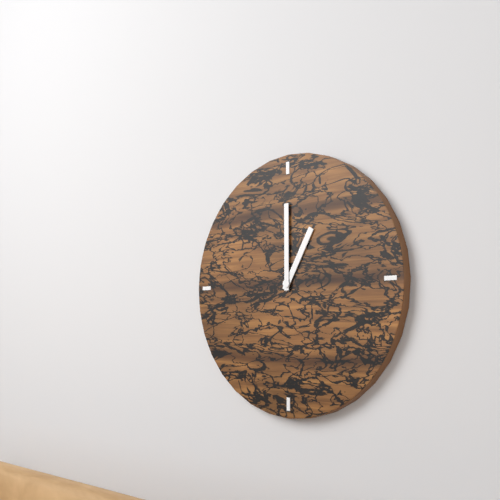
1:00
